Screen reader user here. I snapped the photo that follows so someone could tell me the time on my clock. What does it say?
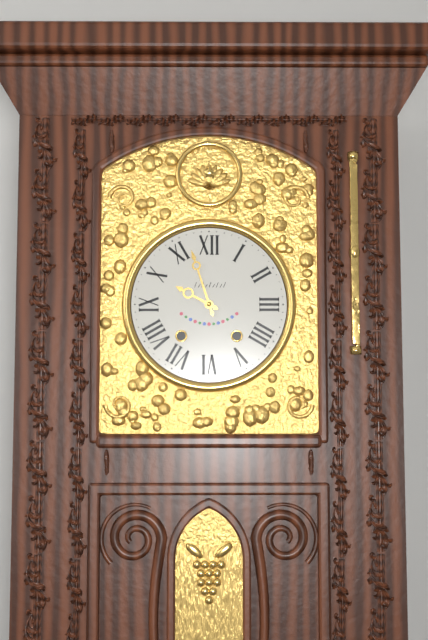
9:57
